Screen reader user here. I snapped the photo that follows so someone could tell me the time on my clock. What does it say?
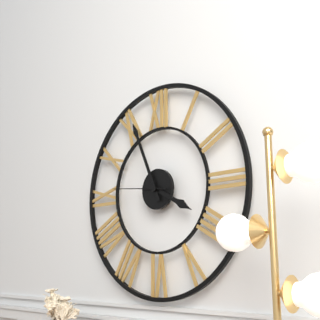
3:56:46
